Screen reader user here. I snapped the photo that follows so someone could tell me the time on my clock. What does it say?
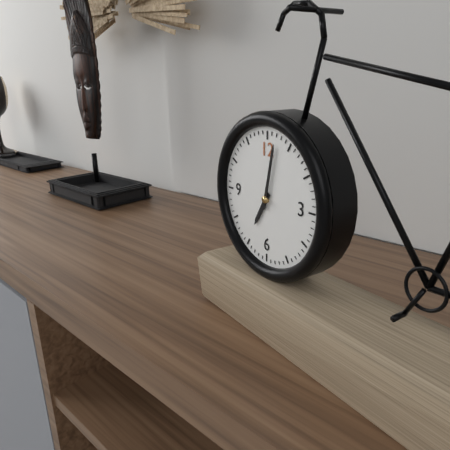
7:02
